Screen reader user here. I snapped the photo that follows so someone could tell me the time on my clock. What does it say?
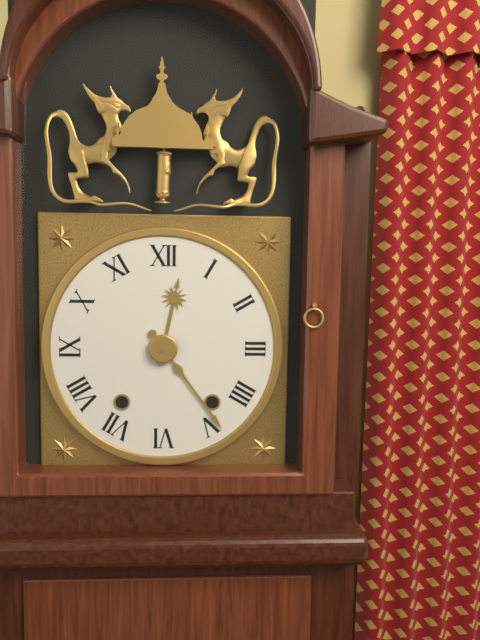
12:24
